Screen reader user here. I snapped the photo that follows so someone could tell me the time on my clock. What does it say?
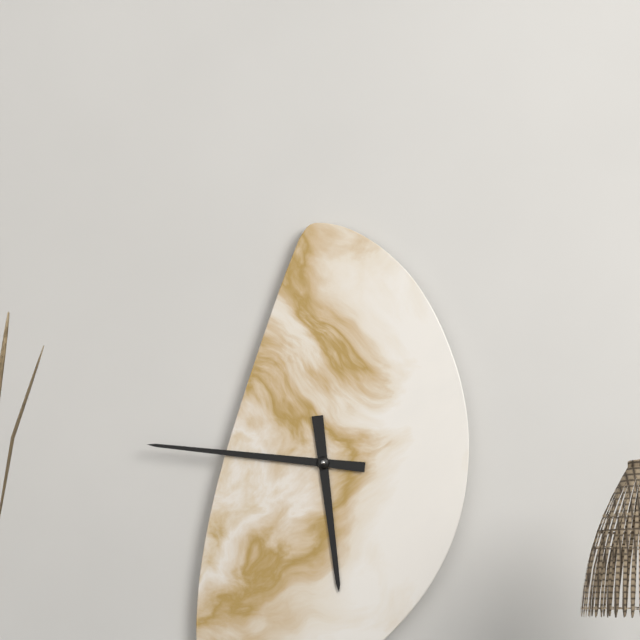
5:46
